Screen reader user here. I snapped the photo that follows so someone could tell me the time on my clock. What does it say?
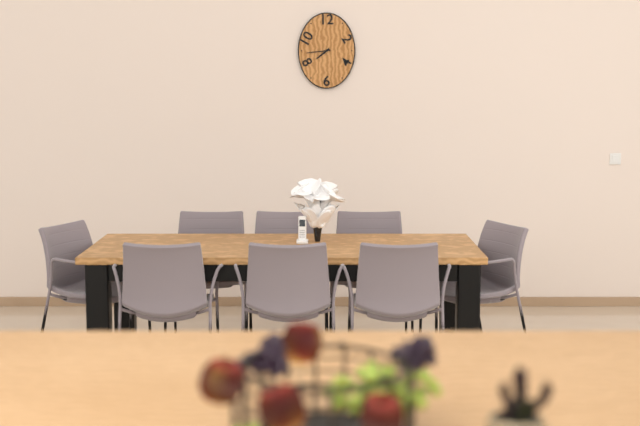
7:44
